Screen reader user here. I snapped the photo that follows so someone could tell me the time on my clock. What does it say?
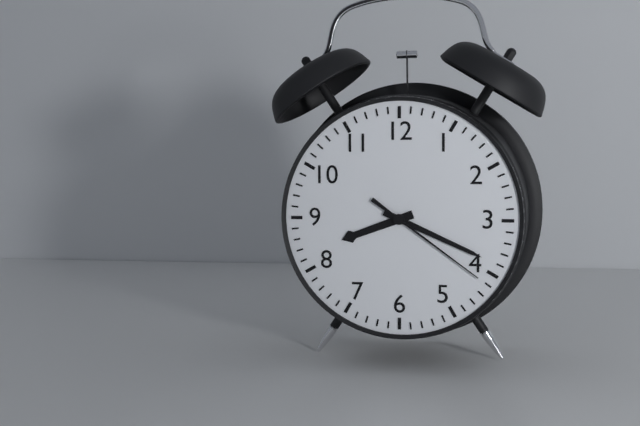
8:19:21
